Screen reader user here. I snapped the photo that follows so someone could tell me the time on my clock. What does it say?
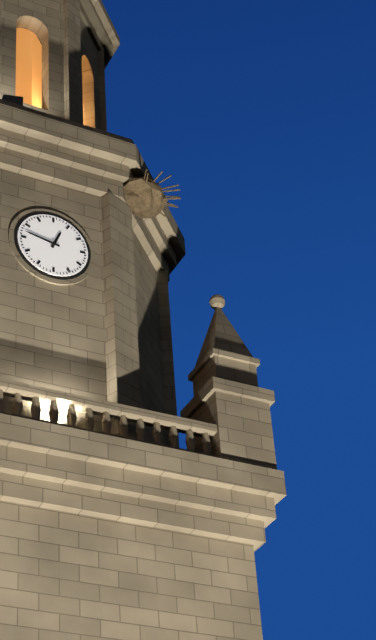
12:47
